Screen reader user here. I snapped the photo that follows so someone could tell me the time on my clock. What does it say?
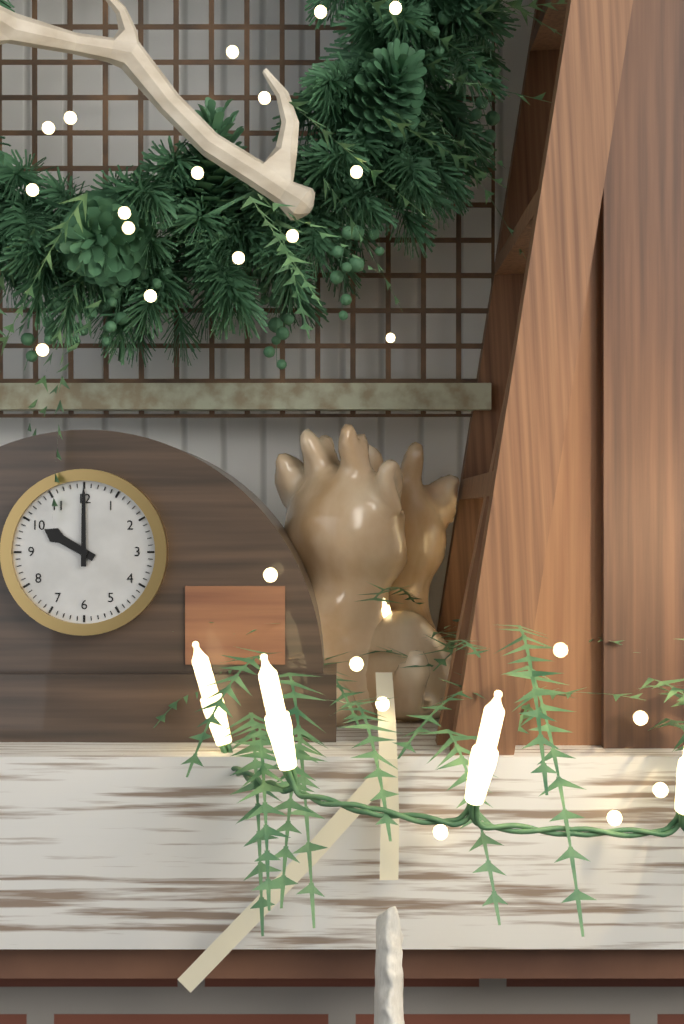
10:00
